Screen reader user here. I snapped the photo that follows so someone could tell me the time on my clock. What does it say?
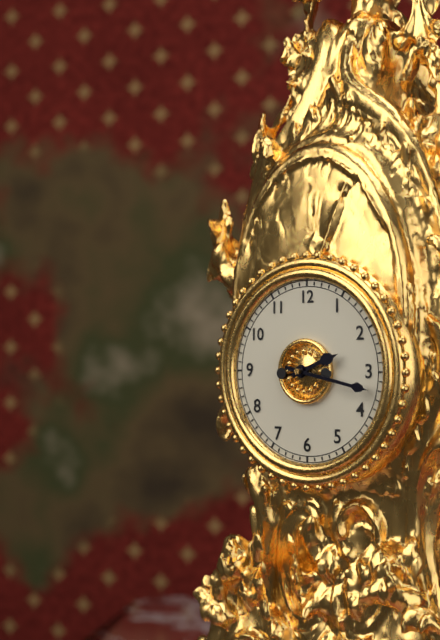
2:17
